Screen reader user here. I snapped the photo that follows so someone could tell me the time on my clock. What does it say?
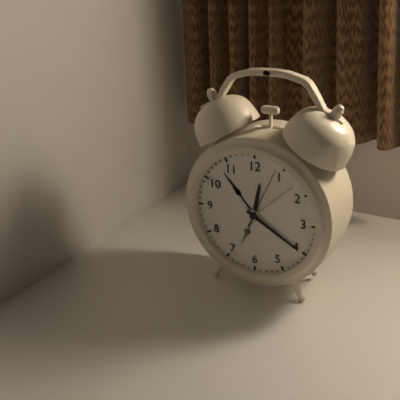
12:20:04
